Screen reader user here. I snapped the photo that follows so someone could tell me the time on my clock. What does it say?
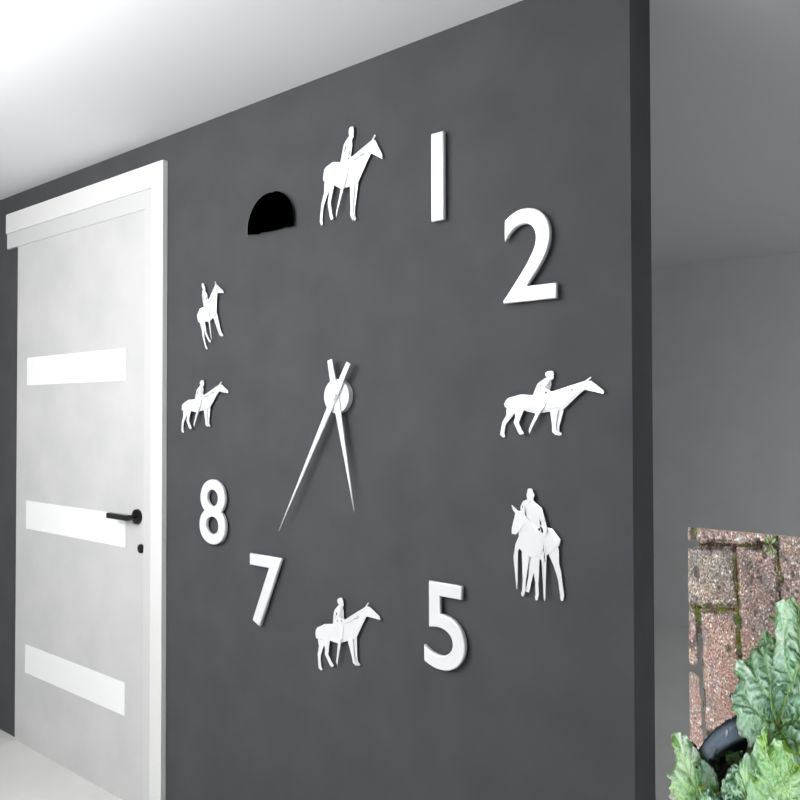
5:35
